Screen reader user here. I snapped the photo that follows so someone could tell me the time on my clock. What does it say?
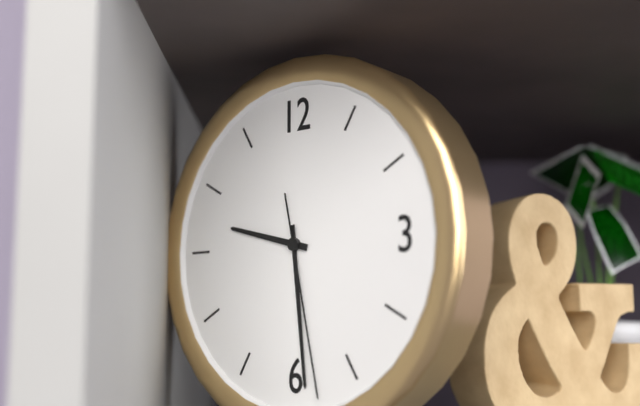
9:29:28
